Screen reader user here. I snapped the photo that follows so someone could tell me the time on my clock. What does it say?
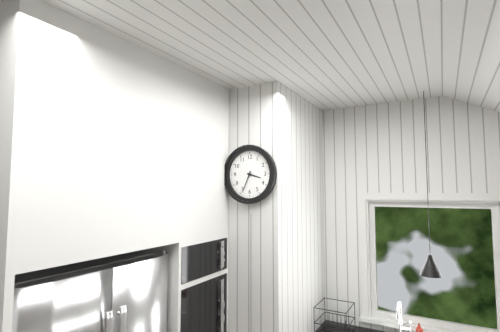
3:34
